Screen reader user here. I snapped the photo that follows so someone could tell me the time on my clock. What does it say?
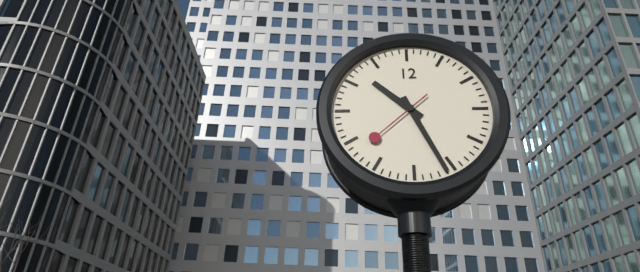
10:26:38
